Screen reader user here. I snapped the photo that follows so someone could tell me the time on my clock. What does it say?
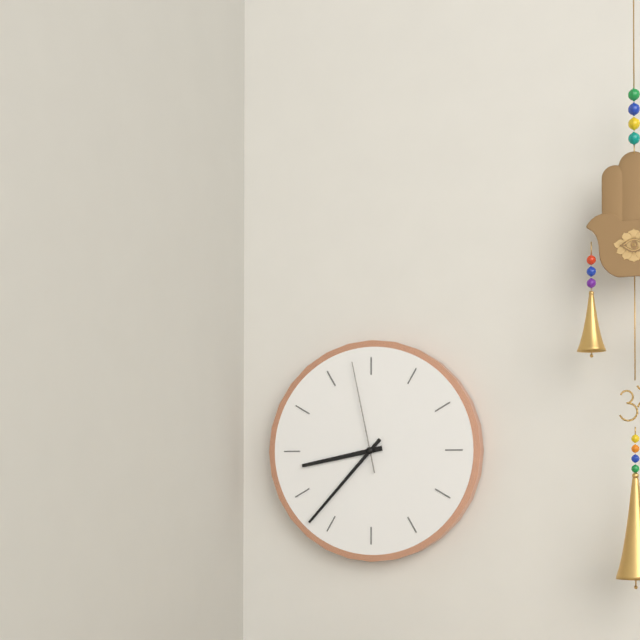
8:37:58
